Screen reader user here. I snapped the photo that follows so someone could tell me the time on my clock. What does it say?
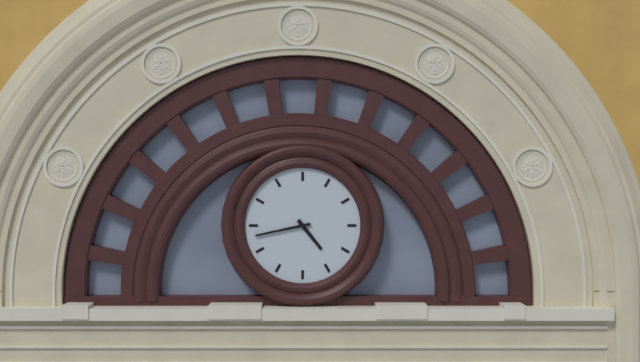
4:43
